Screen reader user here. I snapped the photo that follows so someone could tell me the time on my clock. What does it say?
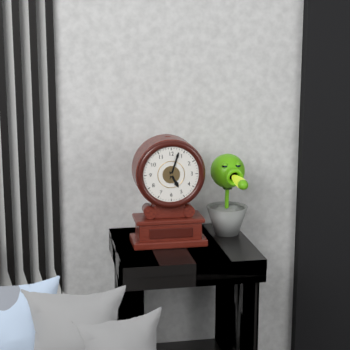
5:03
